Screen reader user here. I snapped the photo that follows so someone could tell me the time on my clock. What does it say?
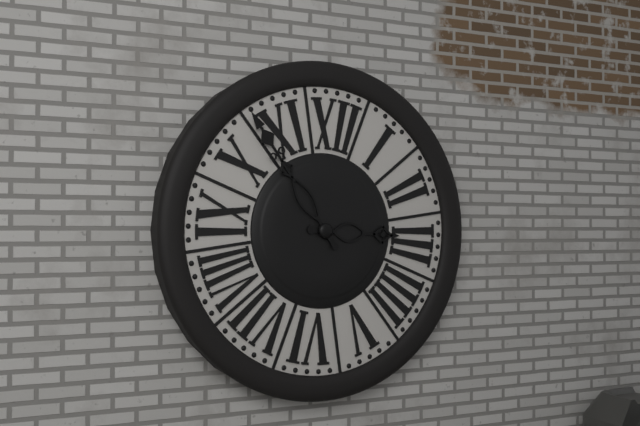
2:53
